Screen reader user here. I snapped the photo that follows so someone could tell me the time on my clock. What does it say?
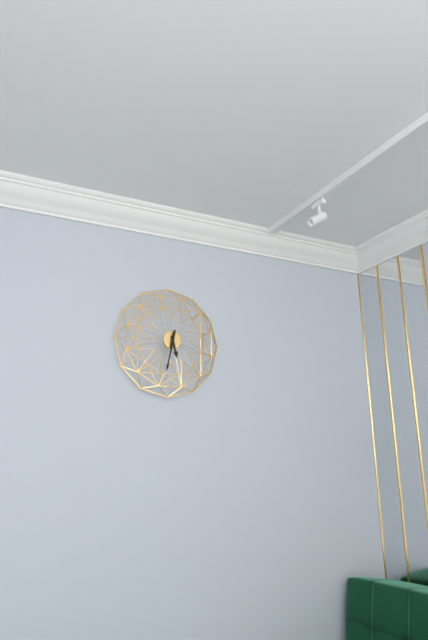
5:32
